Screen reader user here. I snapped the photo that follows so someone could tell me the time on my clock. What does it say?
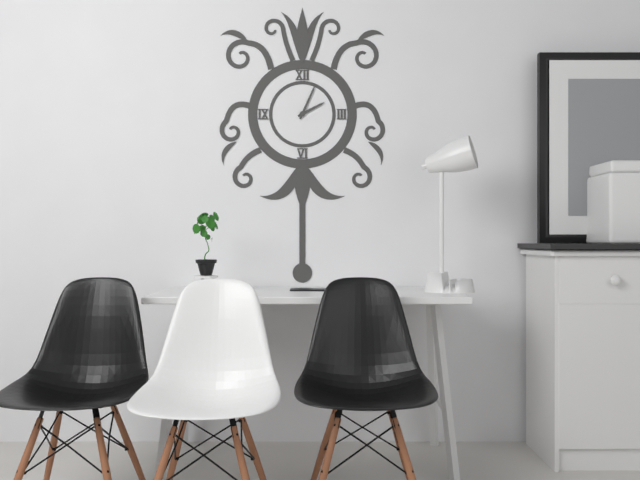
2:04
